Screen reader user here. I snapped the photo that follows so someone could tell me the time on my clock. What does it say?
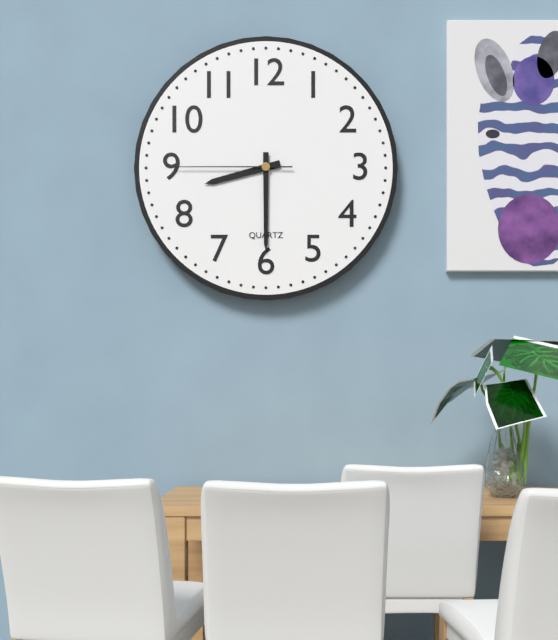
8:30:45
